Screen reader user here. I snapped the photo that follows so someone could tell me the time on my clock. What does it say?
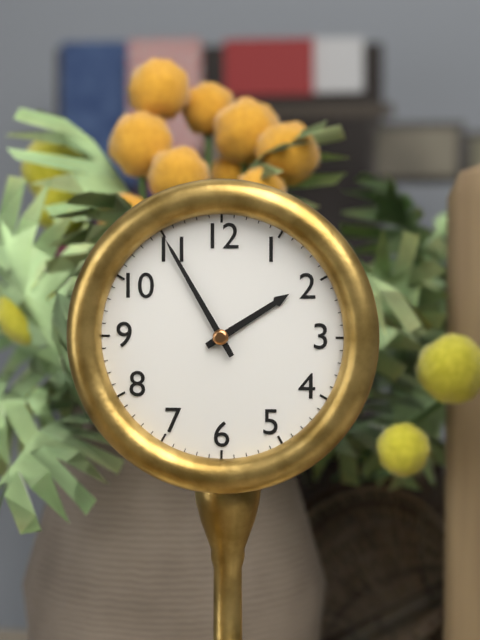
1:55
